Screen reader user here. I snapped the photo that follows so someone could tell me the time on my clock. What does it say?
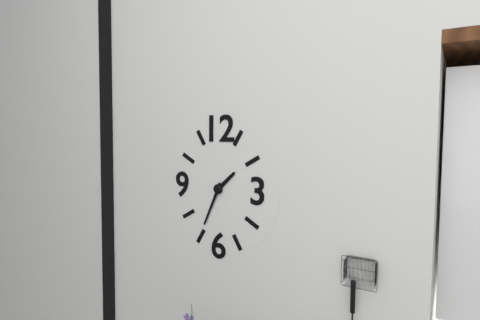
1:34
